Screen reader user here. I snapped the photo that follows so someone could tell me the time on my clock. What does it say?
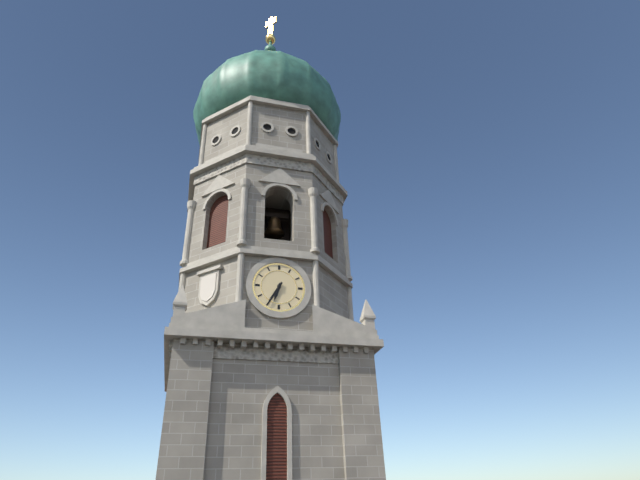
6:35
